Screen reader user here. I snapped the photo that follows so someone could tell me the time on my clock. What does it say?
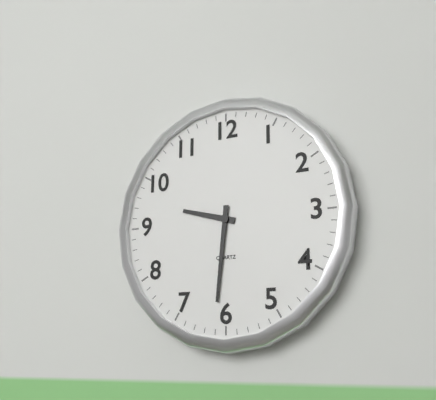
9:31
